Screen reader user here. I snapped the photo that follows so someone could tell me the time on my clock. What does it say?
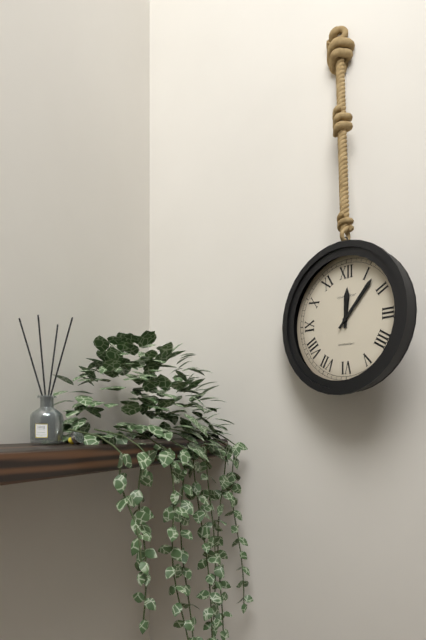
12:07
